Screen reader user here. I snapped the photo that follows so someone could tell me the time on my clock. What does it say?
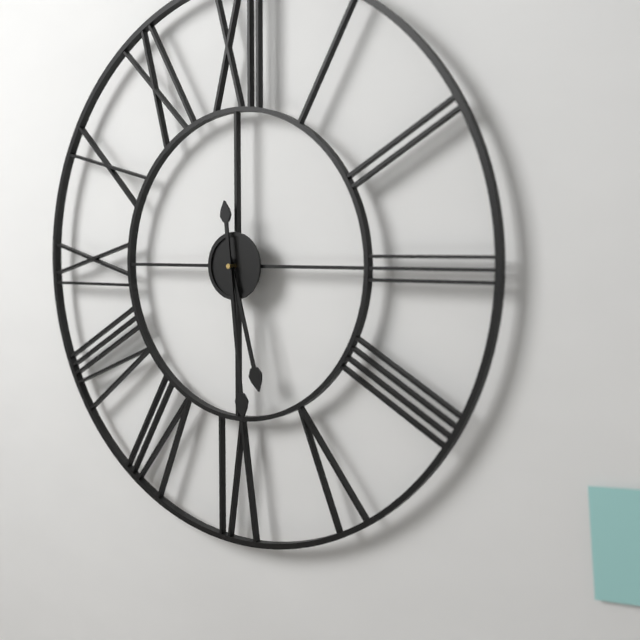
5:29
